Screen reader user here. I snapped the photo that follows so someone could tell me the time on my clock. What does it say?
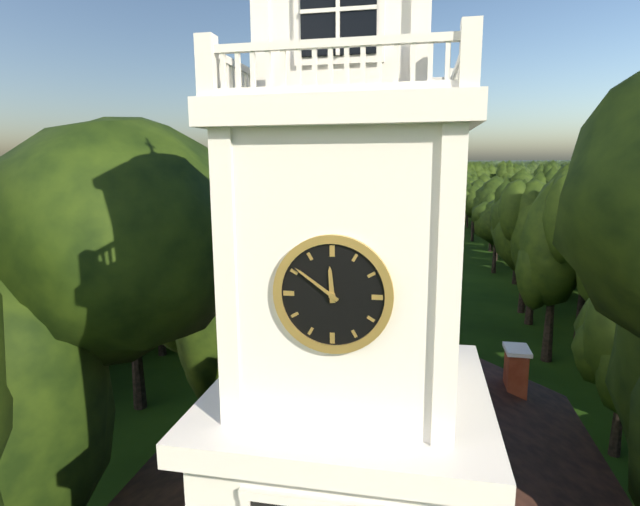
11:51
